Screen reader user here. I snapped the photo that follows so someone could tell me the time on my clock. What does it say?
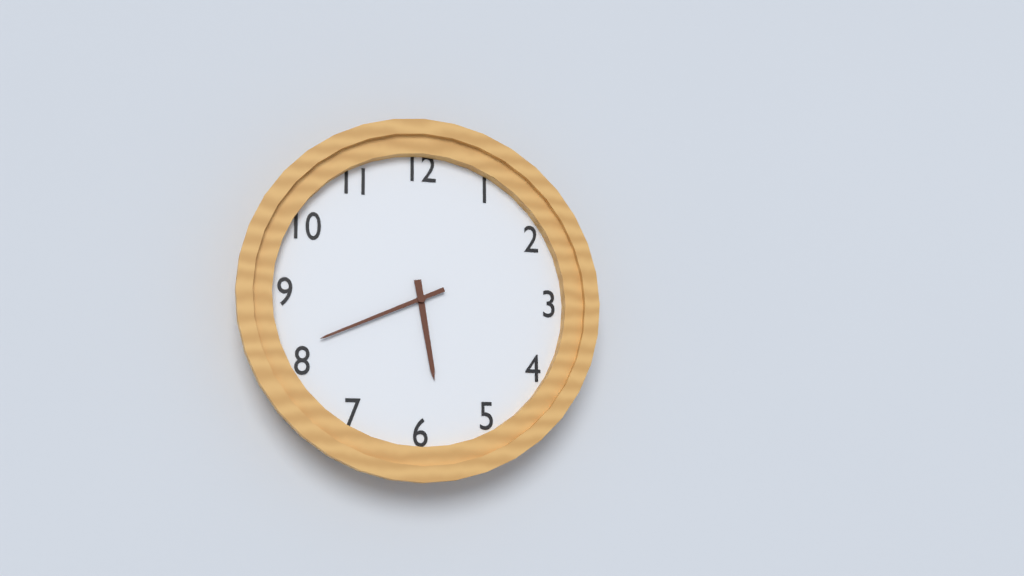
5:41
